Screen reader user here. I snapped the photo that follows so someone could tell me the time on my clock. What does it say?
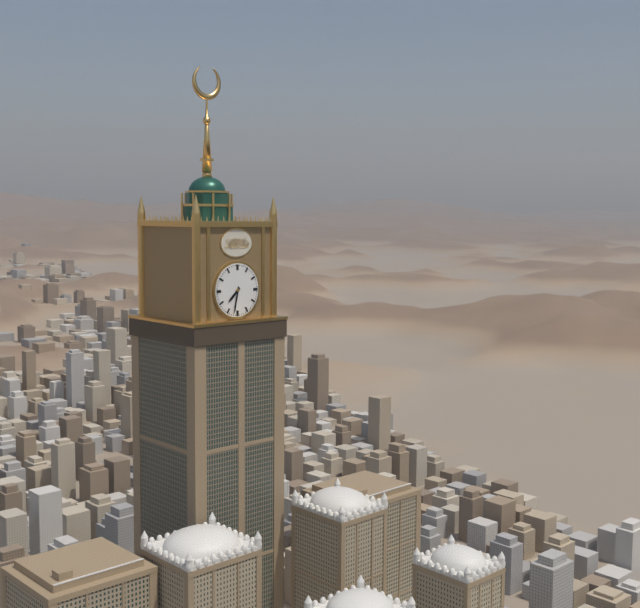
7:32
